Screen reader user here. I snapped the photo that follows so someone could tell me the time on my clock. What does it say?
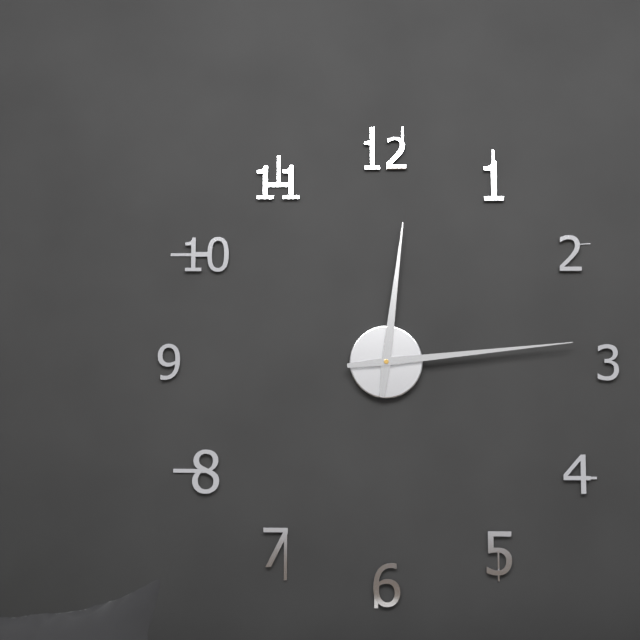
12:14
